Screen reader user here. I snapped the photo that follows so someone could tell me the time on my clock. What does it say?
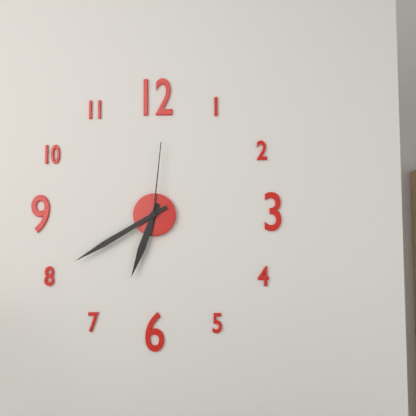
6:40:01
